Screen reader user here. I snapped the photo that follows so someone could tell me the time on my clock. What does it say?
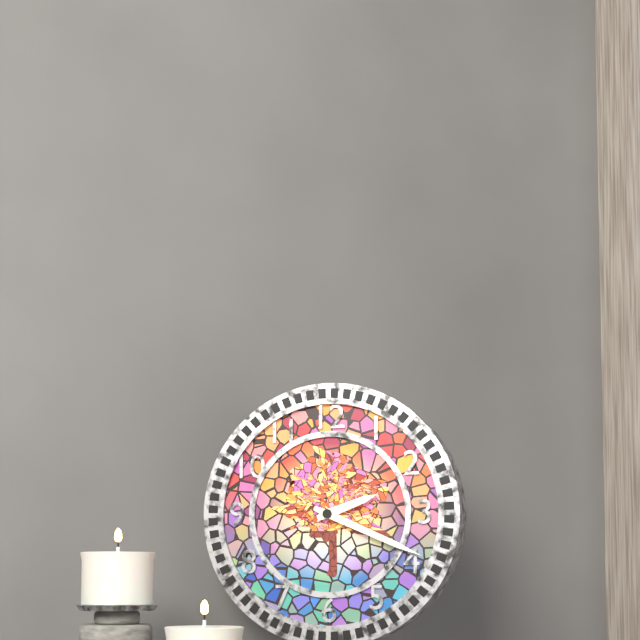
2:19
